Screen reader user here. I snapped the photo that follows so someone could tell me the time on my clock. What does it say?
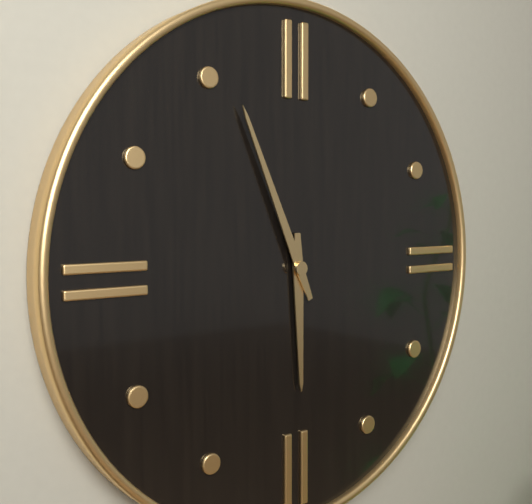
5:56
